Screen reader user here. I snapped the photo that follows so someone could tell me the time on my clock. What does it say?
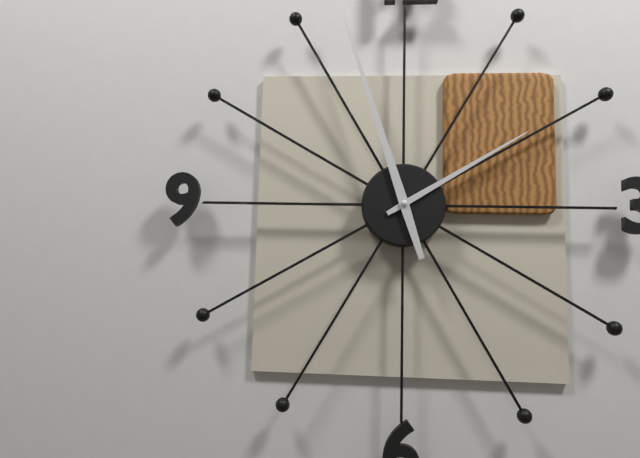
1:57
